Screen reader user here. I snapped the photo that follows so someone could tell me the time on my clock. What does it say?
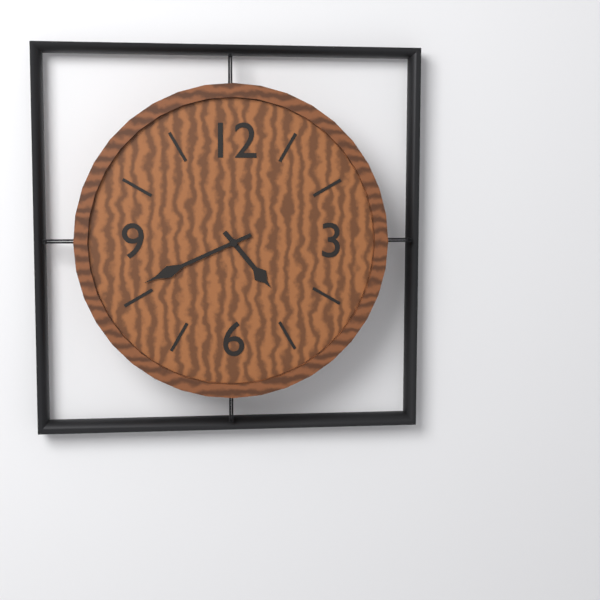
4:41
